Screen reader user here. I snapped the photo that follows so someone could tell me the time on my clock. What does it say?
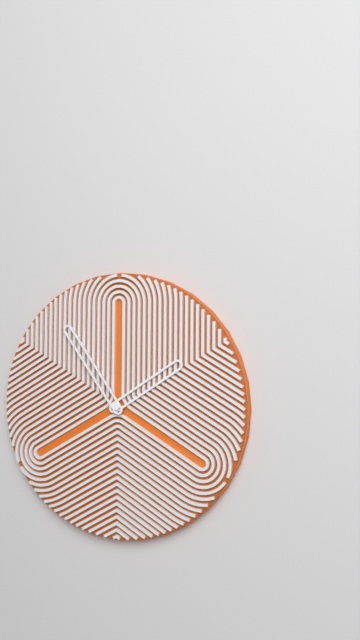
1:54
